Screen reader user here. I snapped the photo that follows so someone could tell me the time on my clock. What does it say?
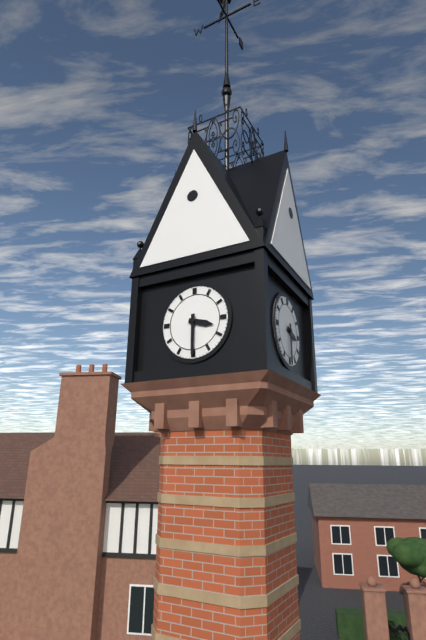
3:30
